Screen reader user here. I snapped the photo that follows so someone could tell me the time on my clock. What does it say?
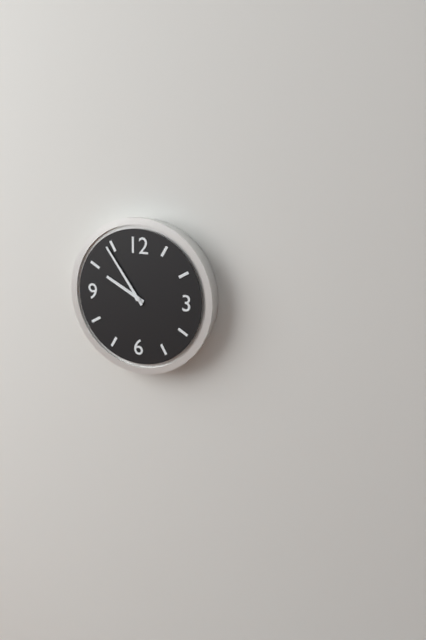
9:54
